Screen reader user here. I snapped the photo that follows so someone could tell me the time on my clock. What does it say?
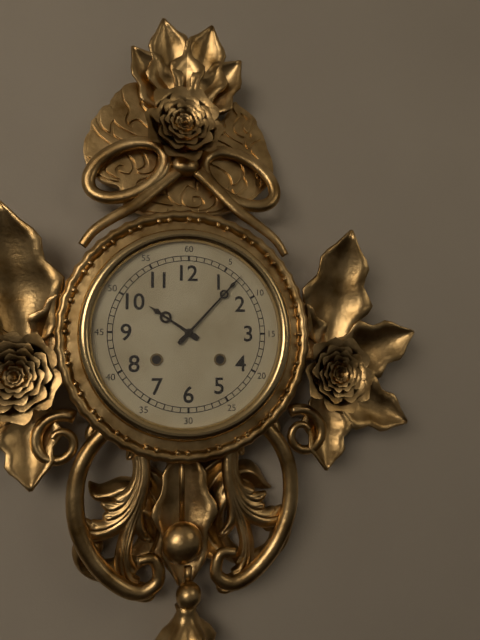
10:07
